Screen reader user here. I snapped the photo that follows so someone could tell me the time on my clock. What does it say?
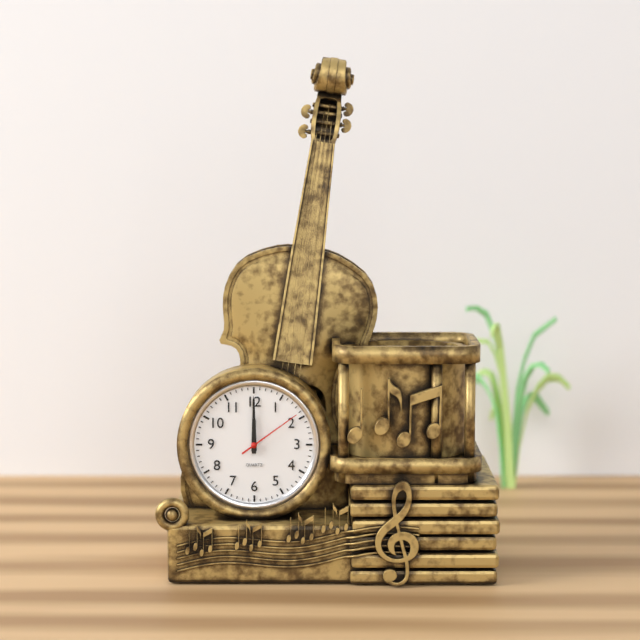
12:00:09
